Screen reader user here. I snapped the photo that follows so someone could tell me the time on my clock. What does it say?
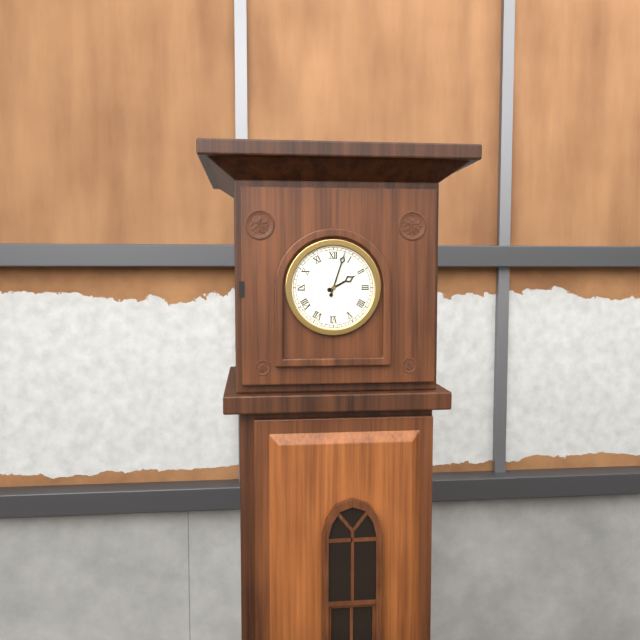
2:03
